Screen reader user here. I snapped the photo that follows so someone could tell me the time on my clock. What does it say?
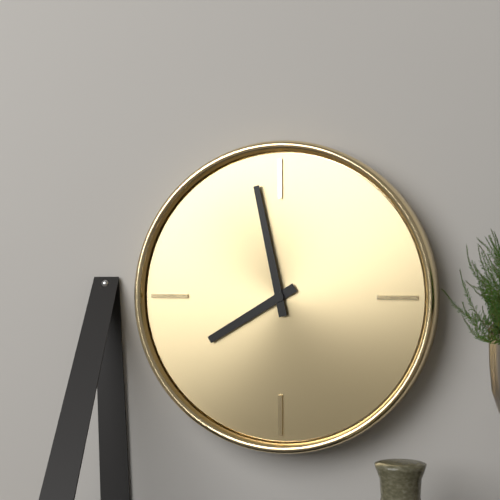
7:58
